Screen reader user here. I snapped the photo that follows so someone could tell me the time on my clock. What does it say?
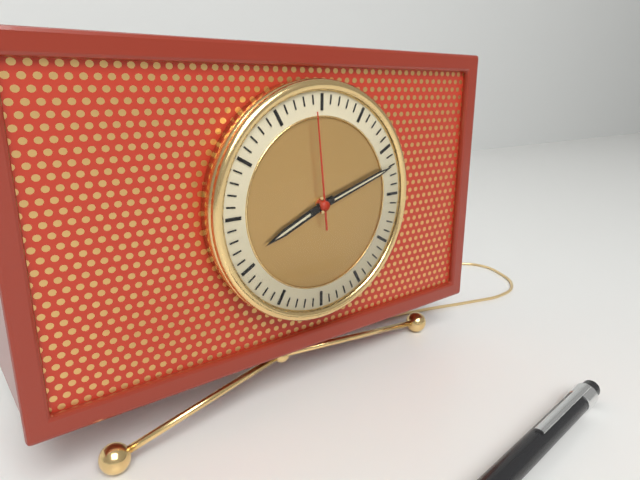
8:12:59
